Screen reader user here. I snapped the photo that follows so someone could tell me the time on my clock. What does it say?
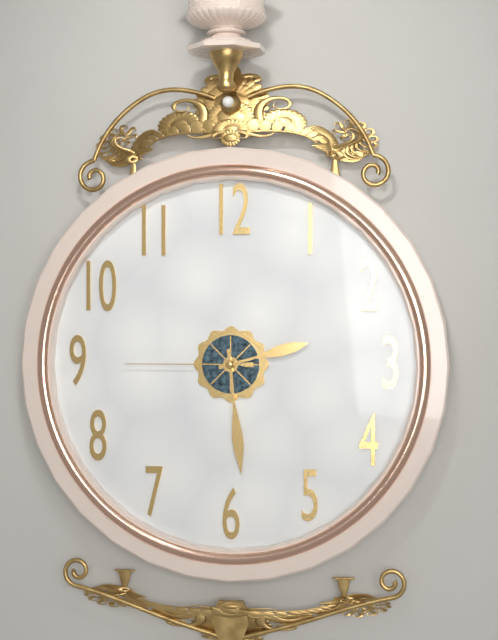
2:29:45
